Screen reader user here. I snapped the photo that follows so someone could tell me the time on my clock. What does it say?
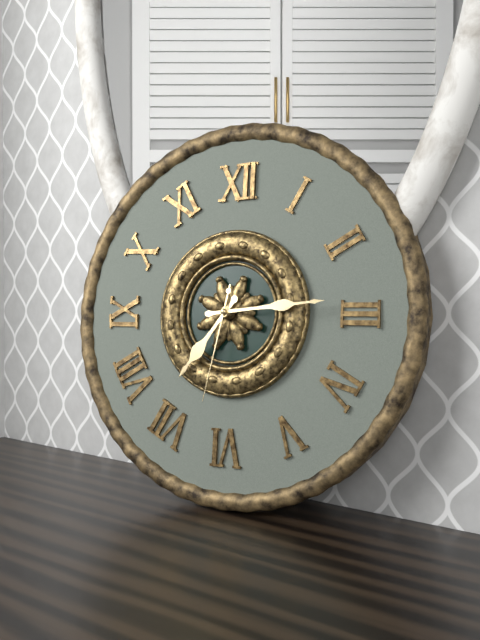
7:14:32
